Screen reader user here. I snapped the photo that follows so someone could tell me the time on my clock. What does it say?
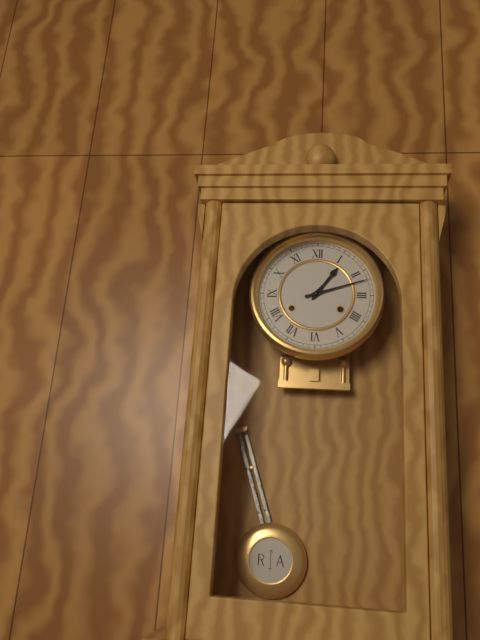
1:12
